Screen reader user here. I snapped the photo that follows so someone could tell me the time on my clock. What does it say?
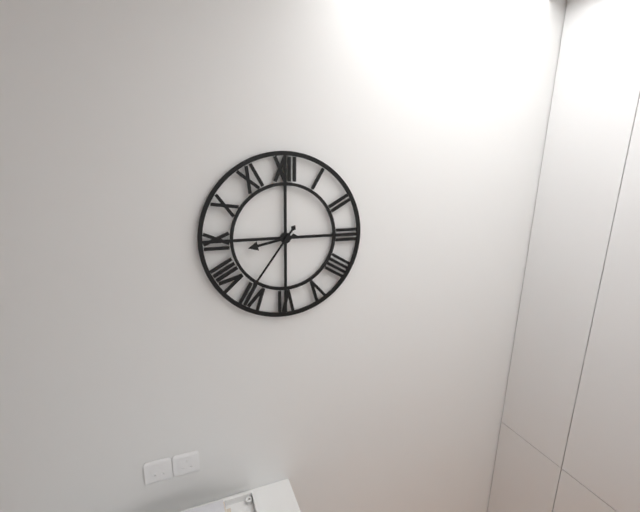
8:36
